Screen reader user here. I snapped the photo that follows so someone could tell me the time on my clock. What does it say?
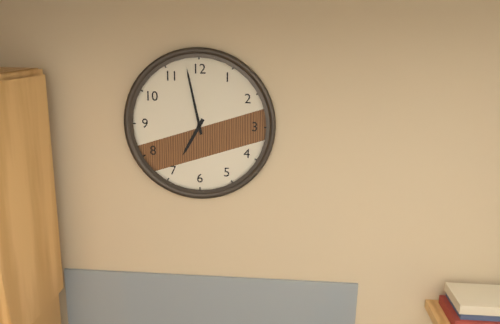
6:58
